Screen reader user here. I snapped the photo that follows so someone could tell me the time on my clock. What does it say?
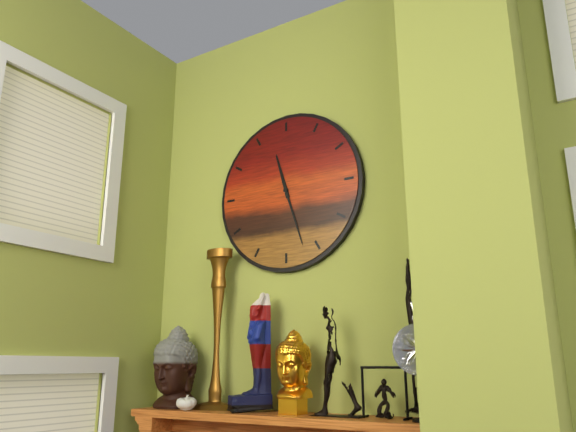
11:27
